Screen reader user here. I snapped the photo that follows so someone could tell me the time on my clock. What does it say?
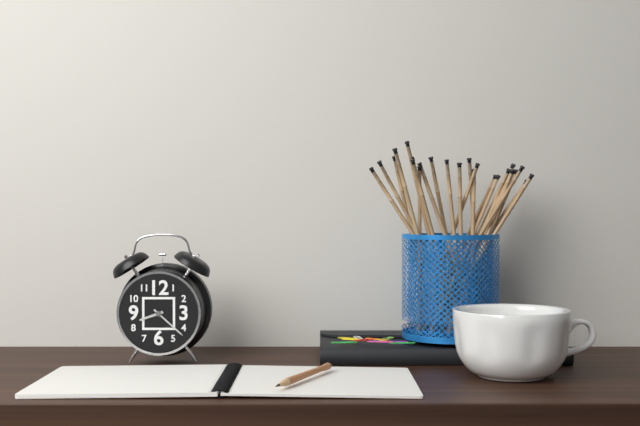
8:22
